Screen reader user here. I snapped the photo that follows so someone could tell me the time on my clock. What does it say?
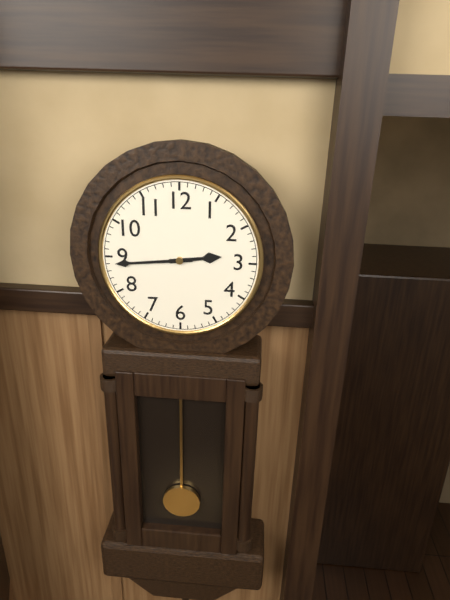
2:44
